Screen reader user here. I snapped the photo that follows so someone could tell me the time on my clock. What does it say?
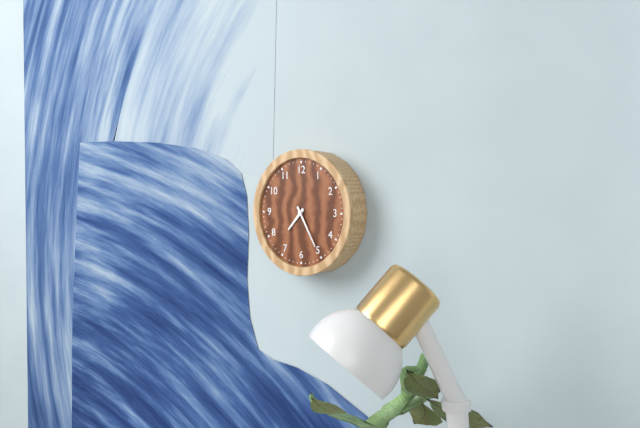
7:25
